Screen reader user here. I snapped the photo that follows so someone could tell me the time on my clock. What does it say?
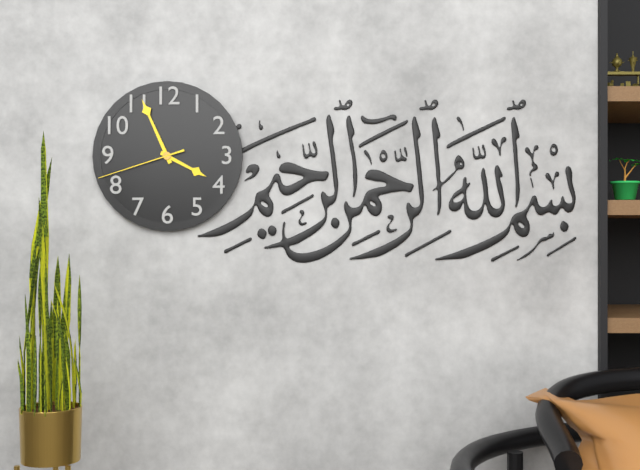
3:56:42
